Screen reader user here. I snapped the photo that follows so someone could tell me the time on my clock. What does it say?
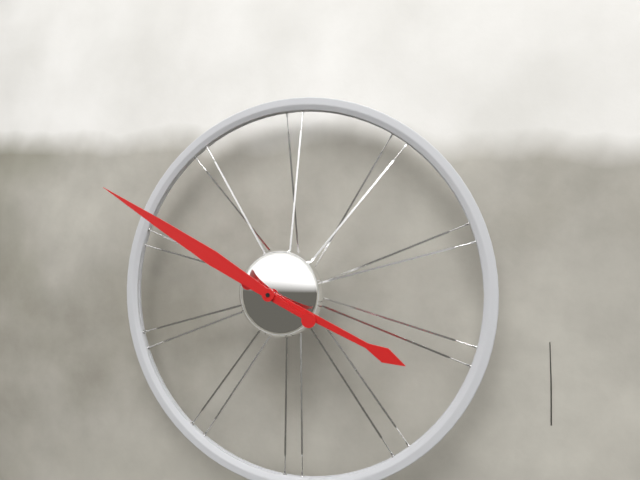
3:50
